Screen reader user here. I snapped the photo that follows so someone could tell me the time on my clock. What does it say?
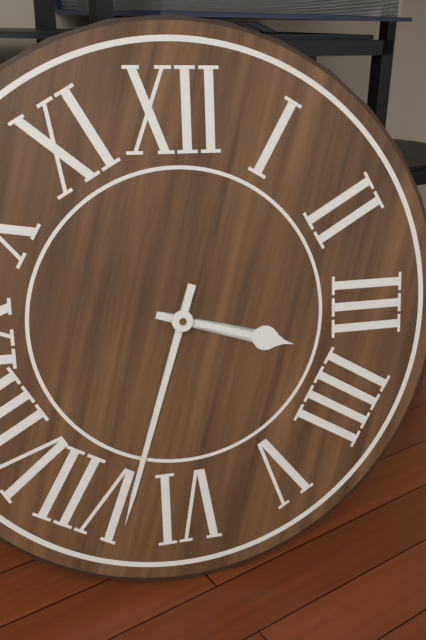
3:33
